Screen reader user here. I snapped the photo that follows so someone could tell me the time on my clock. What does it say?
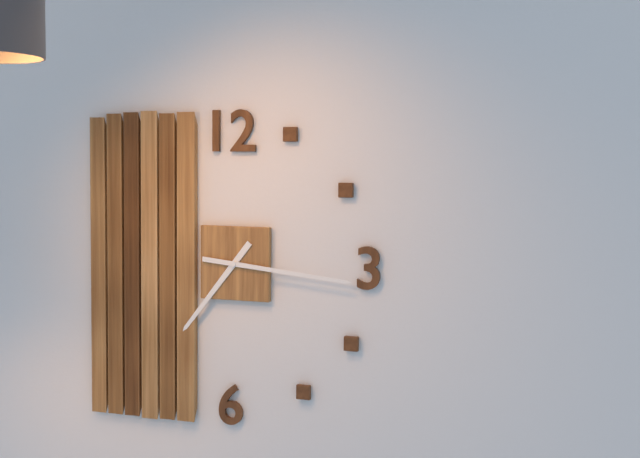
7:16
